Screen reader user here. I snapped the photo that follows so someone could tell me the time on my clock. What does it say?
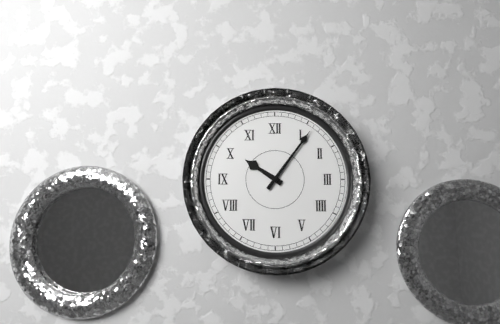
10:06
